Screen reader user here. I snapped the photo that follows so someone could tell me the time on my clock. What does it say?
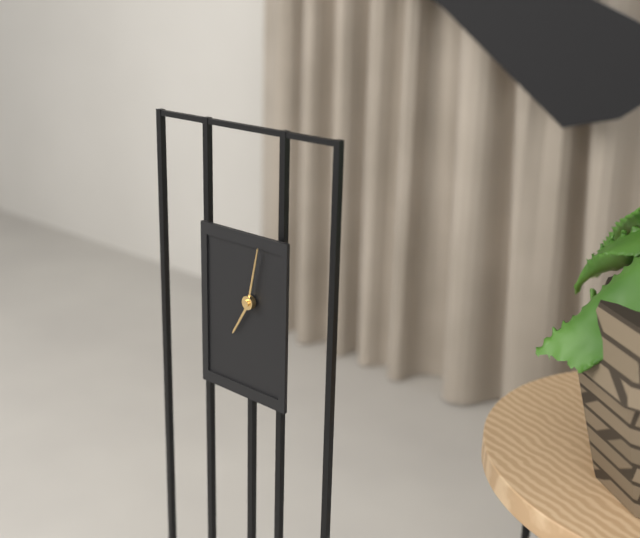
7:02
